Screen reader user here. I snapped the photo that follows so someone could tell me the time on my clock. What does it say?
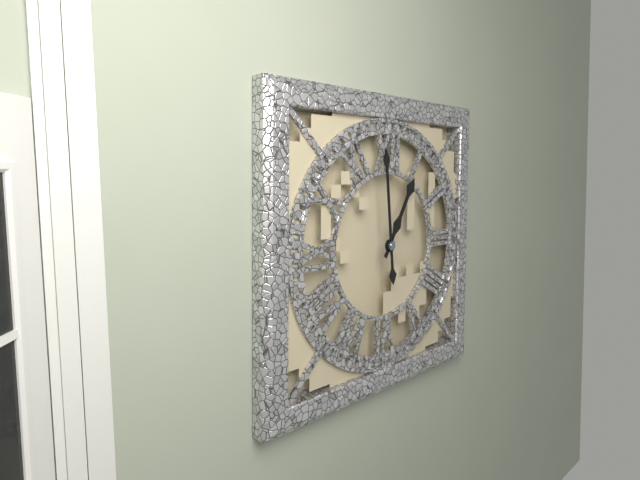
12:59
